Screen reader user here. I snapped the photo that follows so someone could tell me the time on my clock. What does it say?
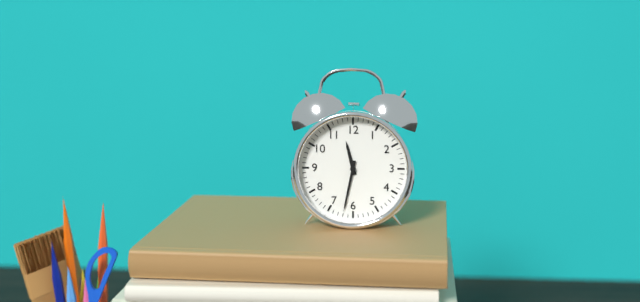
11:32
